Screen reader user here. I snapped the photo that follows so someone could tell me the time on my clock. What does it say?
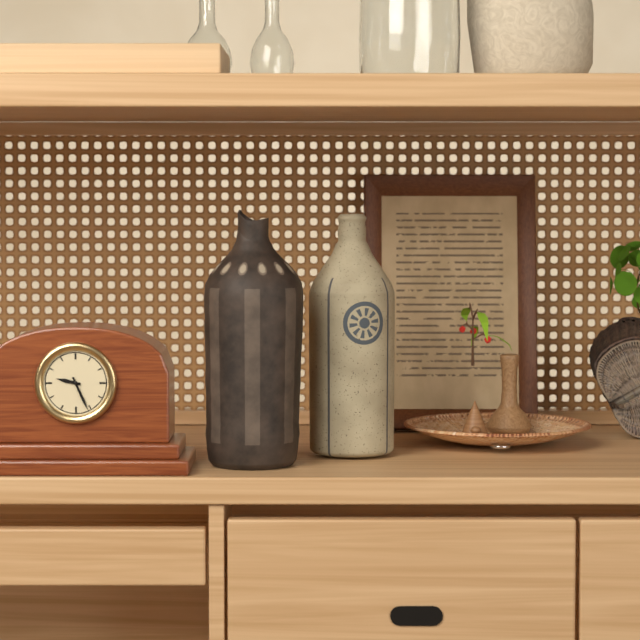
9:26
